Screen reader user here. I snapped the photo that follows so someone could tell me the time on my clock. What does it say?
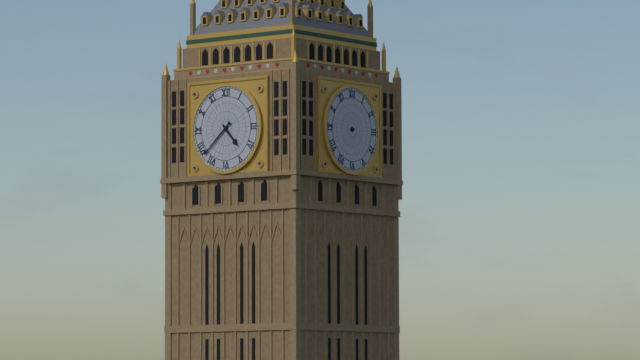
4:38
